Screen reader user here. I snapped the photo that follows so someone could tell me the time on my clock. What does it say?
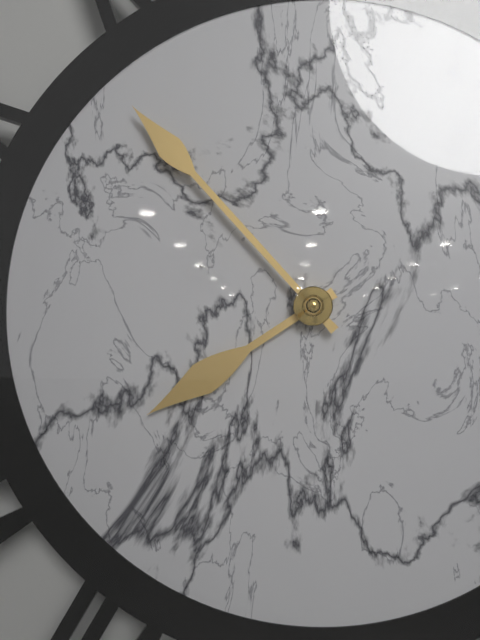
7:53
